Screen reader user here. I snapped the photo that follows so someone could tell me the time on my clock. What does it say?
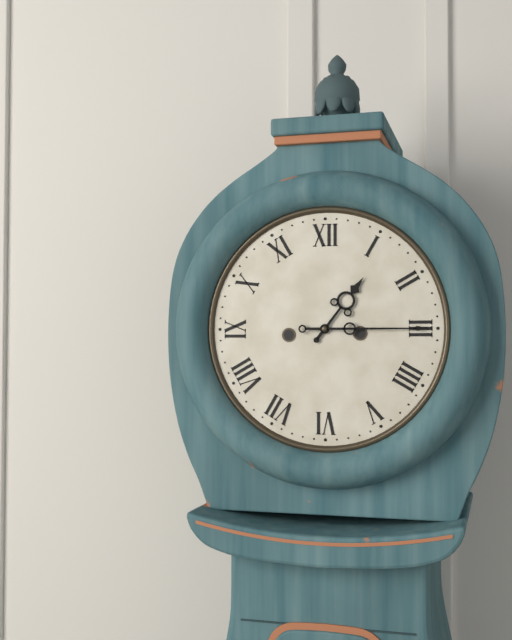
1:15
